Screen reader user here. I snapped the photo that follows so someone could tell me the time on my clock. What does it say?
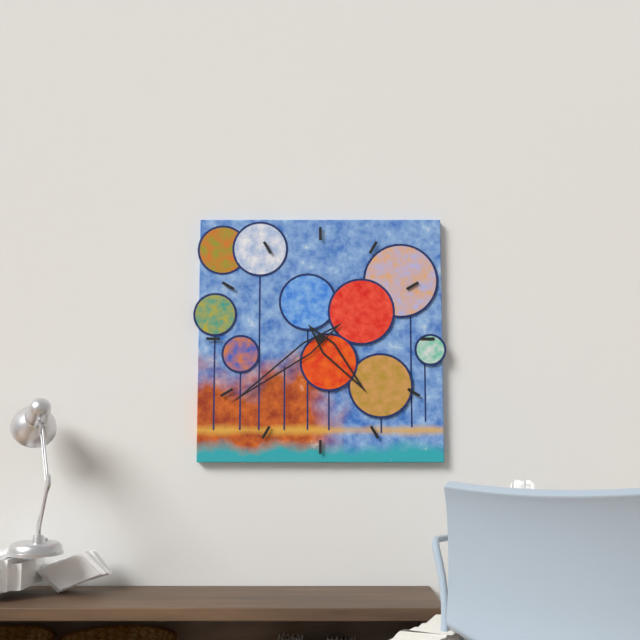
4:39
